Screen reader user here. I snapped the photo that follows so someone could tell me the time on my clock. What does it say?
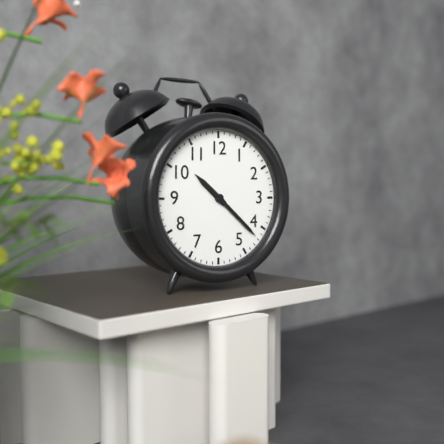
10:22
